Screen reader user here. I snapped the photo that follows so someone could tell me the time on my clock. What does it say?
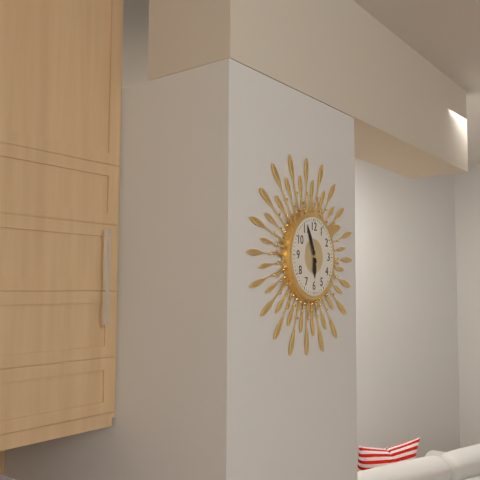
5:56
